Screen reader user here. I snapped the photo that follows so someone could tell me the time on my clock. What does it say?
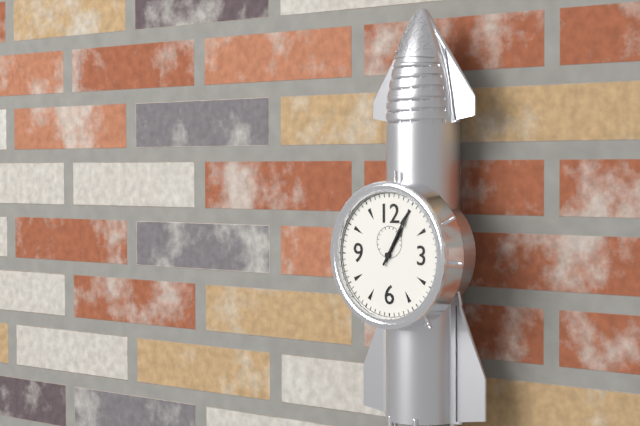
1:05
